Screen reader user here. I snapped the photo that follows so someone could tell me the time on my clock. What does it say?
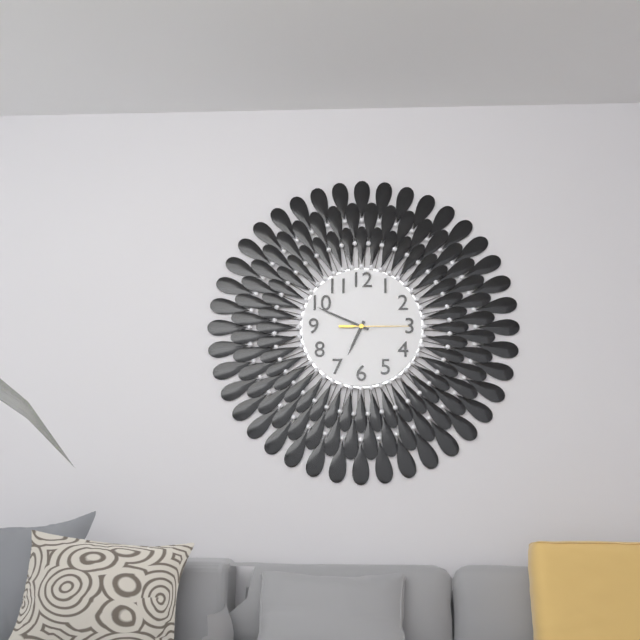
6:49:15
